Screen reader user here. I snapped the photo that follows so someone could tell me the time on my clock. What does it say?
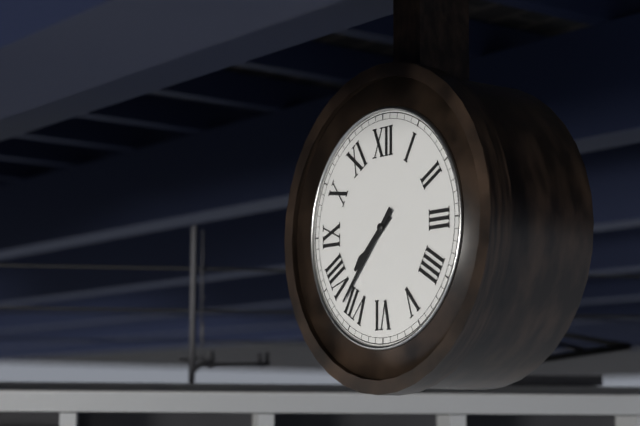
7:37
